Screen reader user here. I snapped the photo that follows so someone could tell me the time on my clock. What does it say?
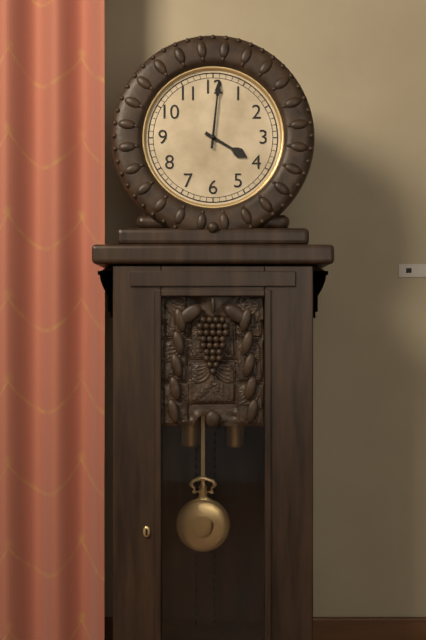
4:01
